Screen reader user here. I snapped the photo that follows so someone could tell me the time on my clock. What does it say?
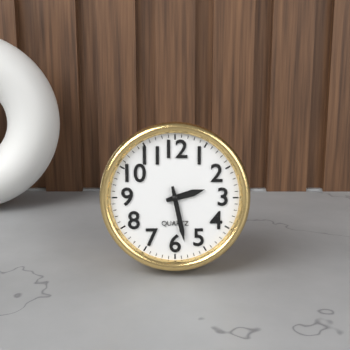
2:28
